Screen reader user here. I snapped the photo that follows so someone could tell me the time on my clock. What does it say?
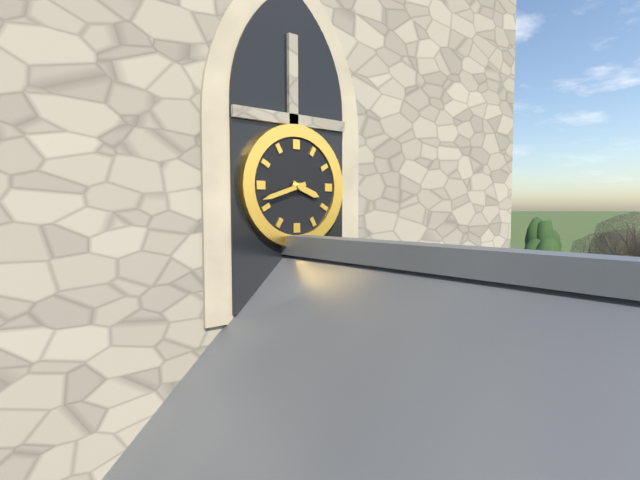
3:42
